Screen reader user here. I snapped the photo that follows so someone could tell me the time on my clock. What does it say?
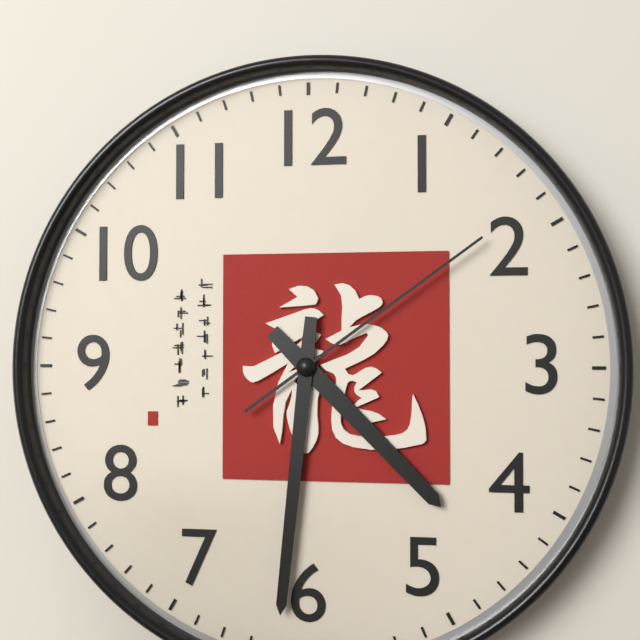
4:31:09
